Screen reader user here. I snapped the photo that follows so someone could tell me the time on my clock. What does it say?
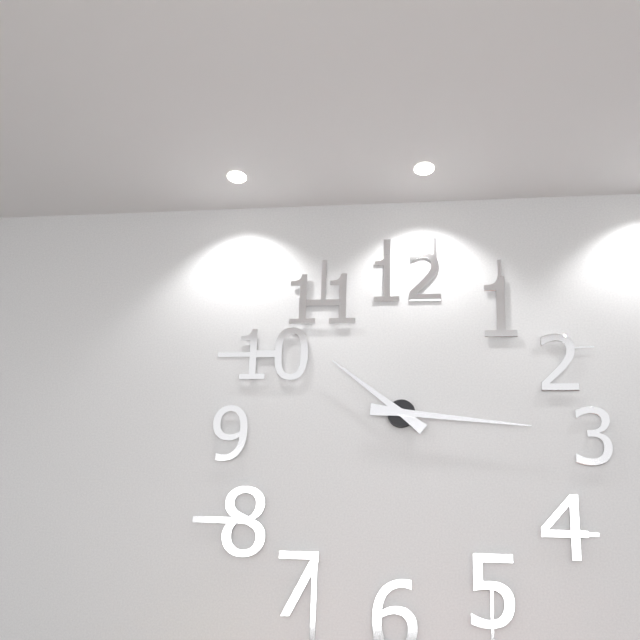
10:16
